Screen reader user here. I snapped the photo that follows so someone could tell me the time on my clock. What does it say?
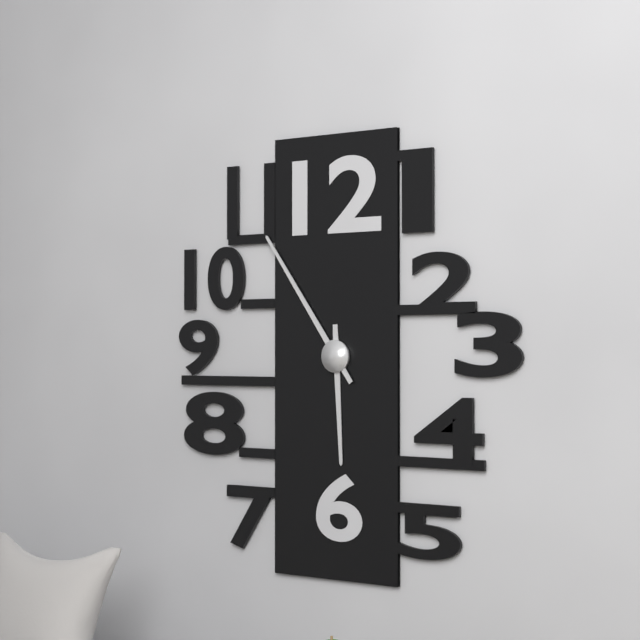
5:54
